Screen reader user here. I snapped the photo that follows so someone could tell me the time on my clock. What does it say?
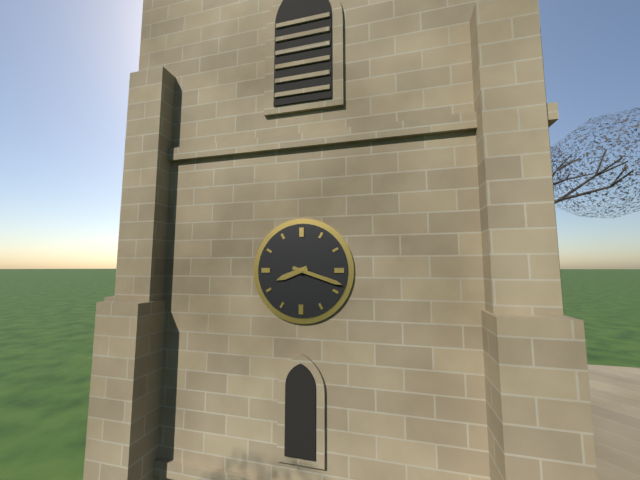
8:18
